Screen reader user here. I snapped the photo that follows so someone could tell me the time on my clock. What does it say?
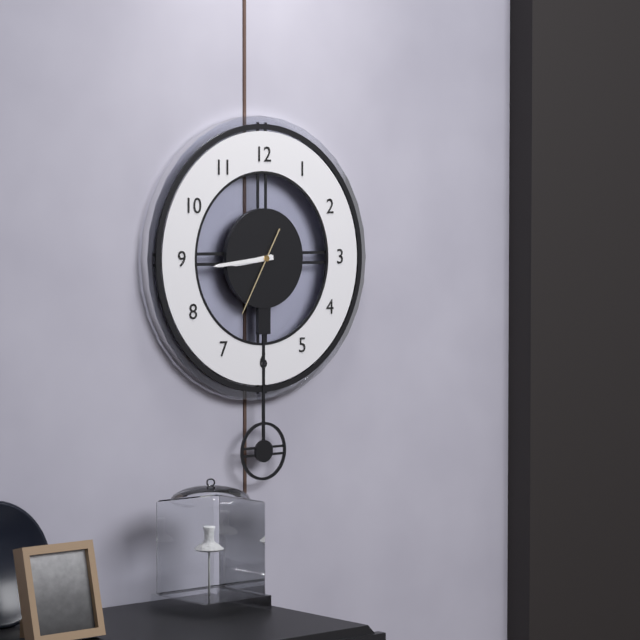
8:44:35
